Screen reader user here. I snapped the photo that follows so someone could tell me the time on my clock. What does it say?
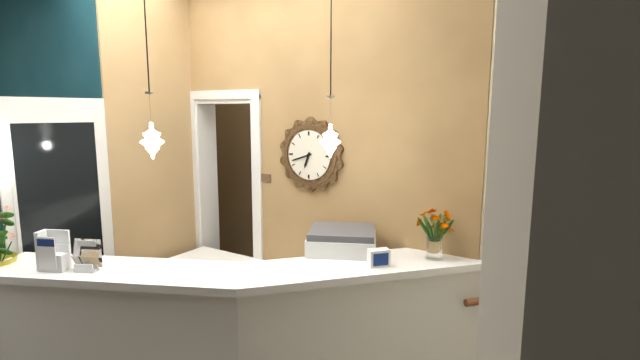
6:42
